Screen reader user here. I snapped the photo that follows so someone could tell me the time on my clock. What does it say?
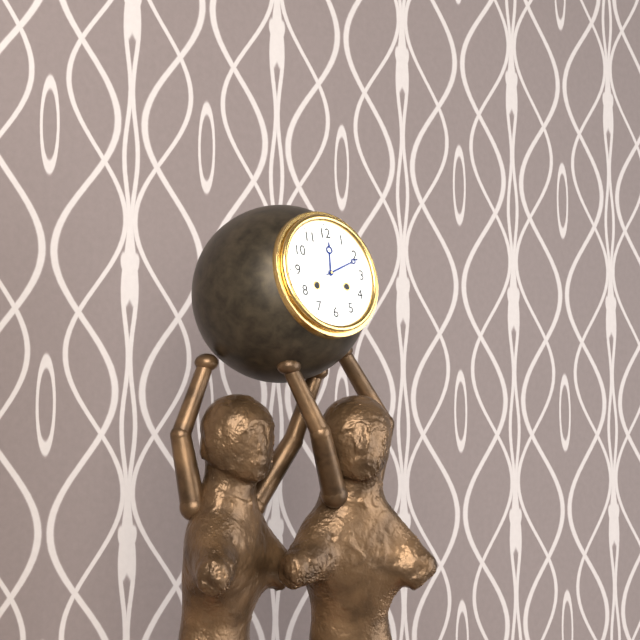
12:11
